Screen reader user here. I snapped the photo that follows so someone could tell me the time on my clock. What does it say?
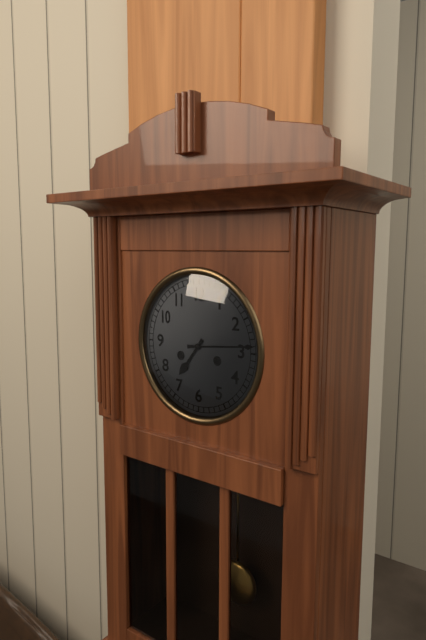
7:14
